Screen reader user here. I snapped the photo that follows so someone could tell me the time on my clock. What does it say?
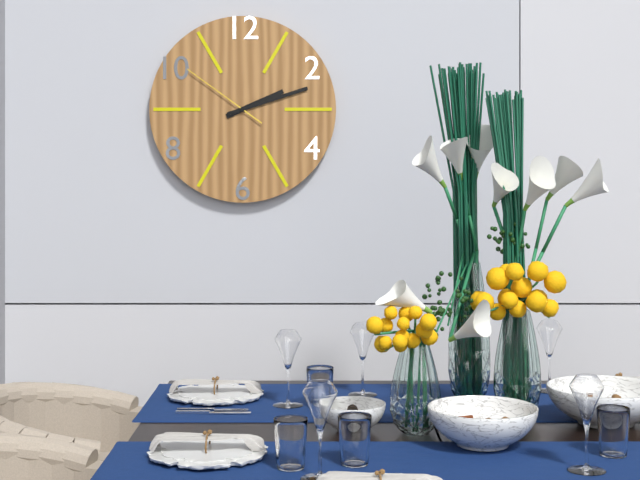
2:12:51
